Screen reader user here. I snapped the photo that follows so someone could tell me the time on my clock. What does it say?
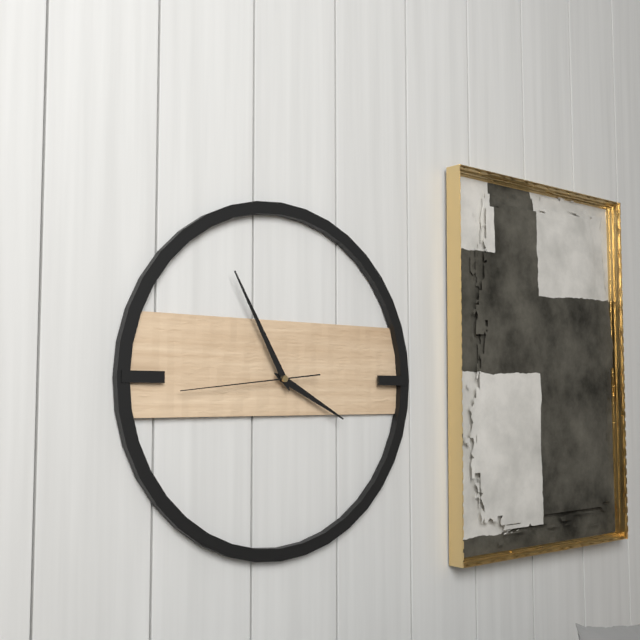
3:55:44
